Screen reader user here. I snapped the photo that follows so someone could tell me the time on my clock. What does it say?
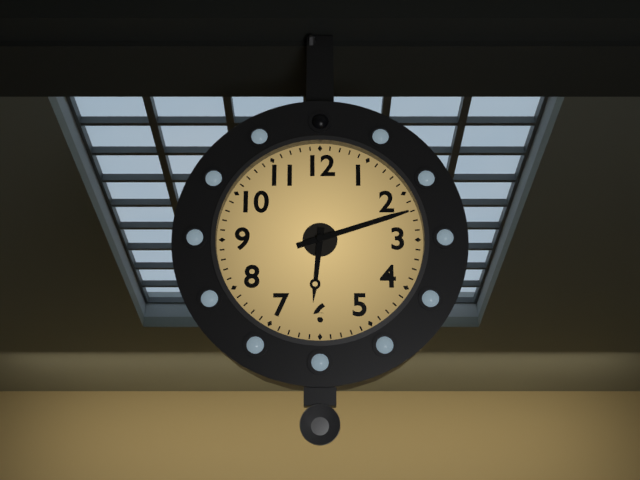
6:12
